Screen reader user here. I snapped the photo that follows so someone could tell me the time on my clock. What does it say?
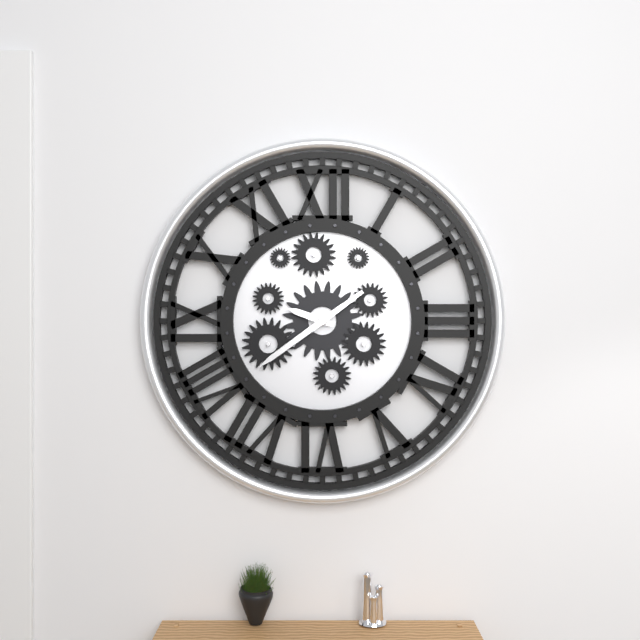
9:39
